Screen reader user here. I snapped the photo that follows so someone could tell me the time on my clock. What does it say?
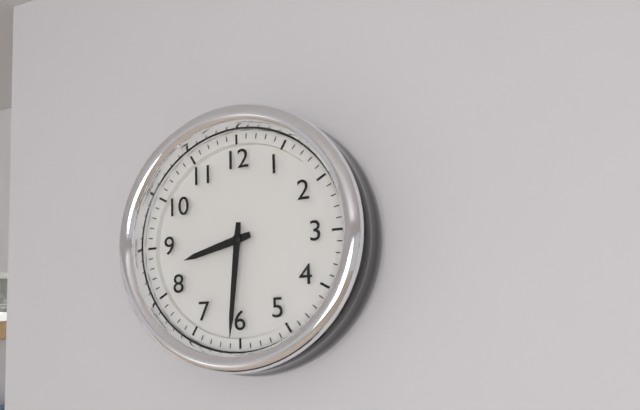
8:31
